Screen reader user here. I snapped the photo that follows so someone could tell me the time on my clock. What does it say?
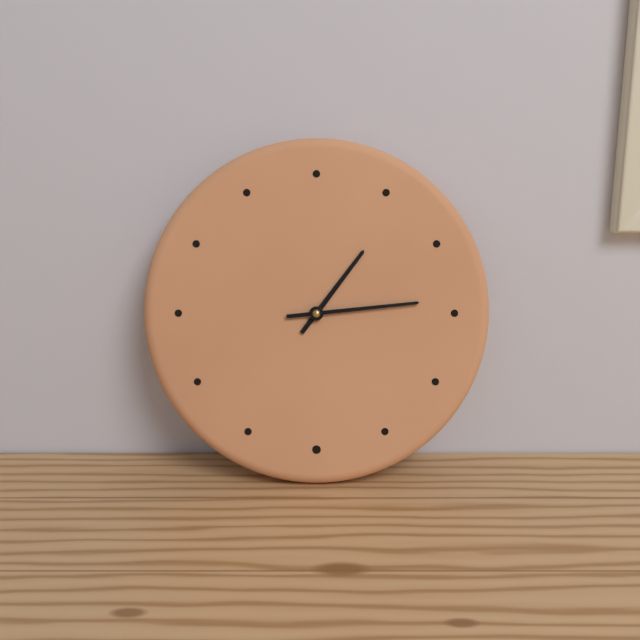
1:14
